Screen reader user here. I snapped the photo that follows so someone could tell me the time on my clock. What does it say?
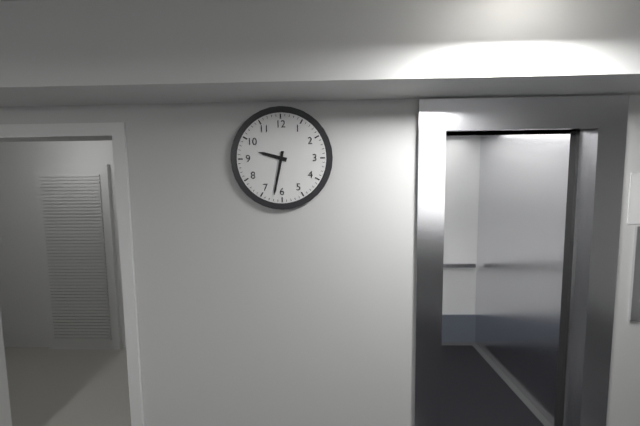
9:32
